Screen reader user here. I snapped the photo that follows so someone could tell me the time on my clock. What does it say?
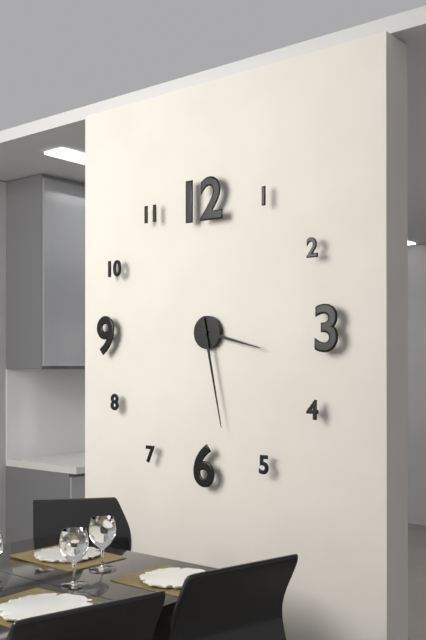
3:28
